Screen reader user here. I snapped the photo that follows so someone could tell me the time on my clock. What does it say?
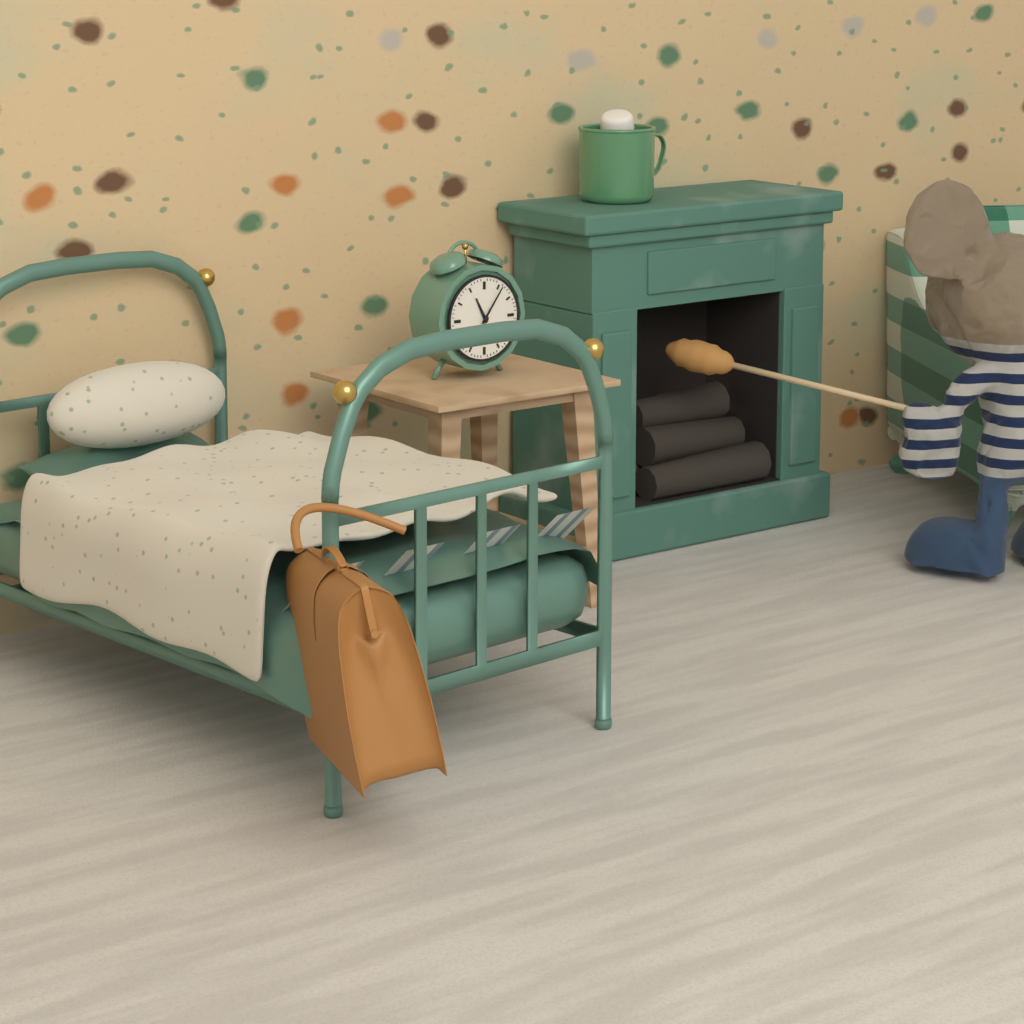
11:06
